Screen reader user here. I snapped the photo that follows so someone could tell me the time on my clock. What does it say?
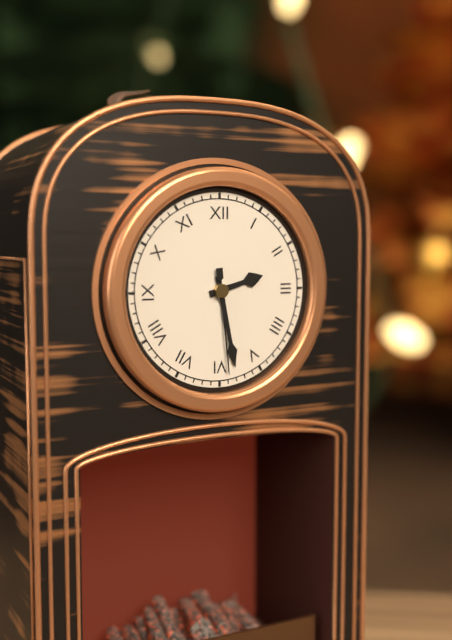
2:28:29
